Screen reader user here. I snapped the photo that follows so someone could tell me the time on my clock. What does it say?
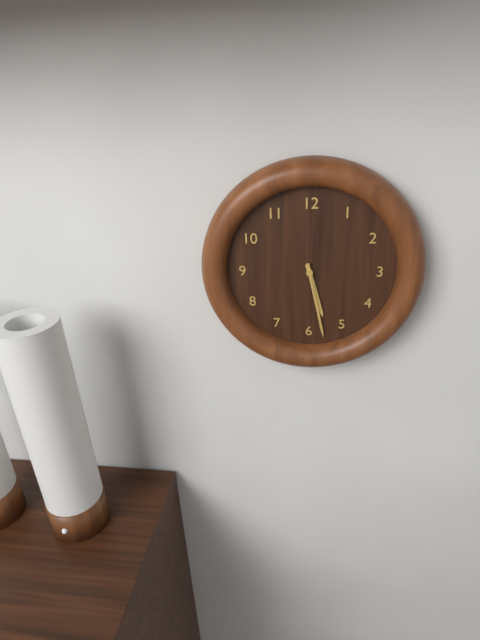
5:28
